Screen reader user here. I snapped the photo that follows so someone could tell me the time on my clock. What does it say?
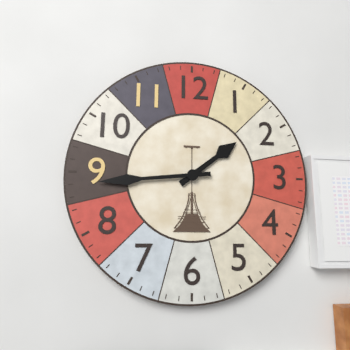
1:44
